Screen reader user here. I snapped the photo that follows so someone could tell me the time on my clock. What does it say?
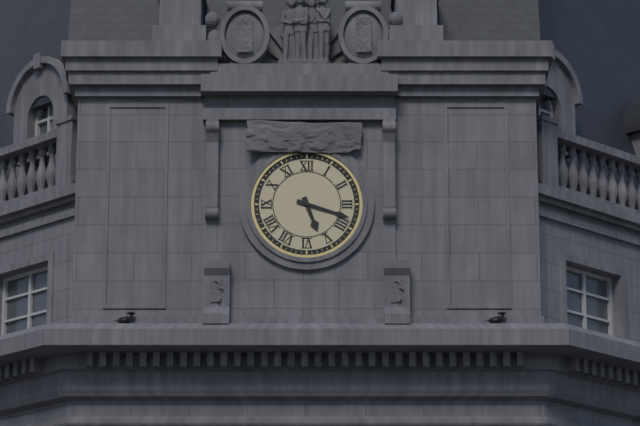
5:18
